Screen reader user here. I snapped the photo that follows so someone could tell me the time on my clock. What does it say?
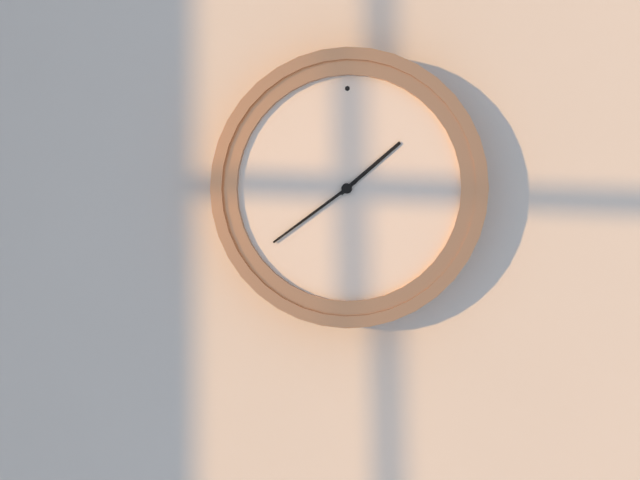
1:39
